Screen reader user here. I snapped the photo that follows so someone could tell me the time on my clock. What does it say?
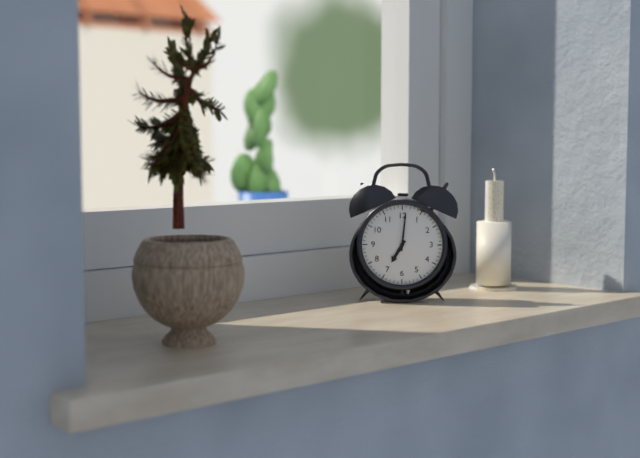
7:01
